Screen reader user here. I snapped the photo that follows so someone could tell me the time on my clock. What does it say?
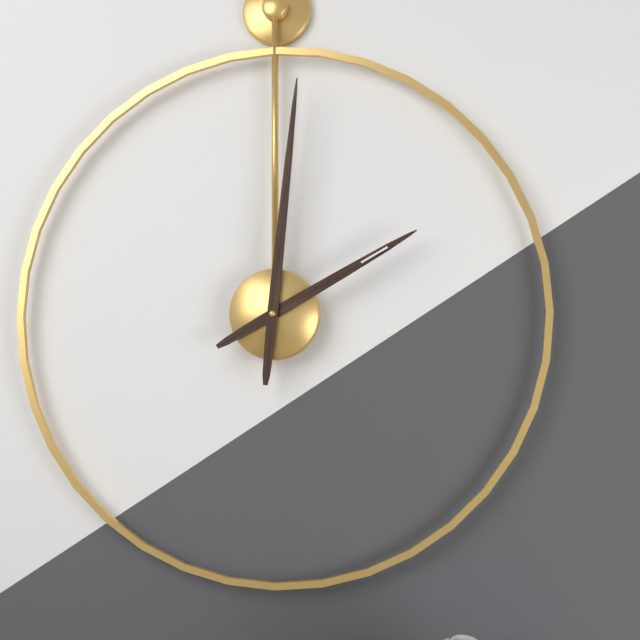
2:01
